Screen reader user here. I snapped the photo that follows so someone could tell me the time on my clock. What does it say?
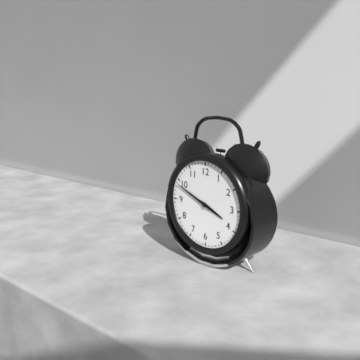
3:49
